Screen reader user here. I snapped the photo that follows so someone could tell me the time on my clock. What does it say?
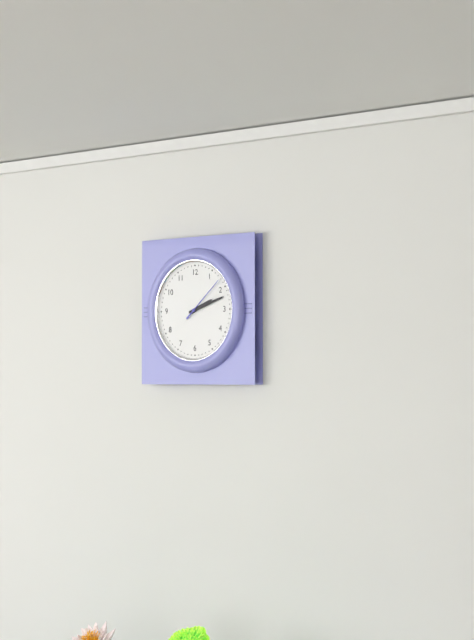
2:12
